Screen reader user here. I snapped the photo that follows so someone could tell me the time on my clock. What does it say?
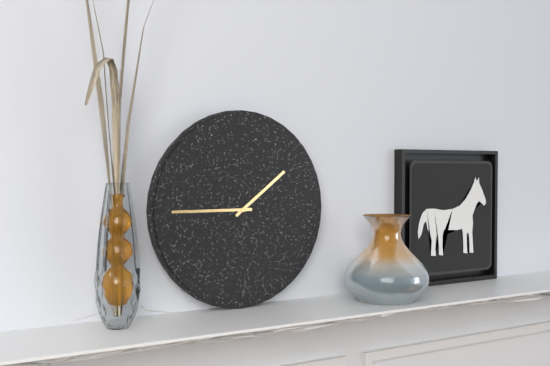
1:45
